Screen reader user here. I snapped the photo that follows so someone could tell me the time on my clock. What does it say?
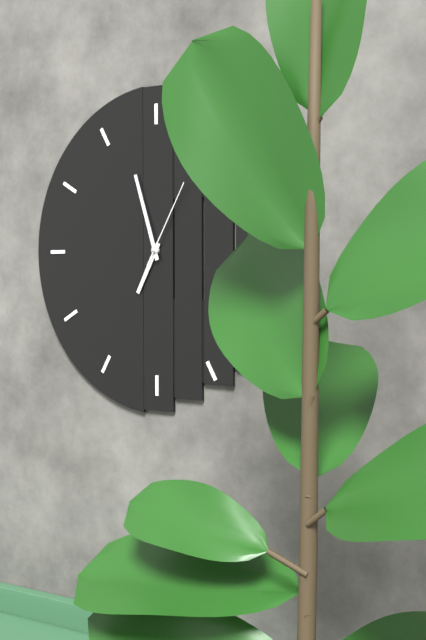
6:57:05
